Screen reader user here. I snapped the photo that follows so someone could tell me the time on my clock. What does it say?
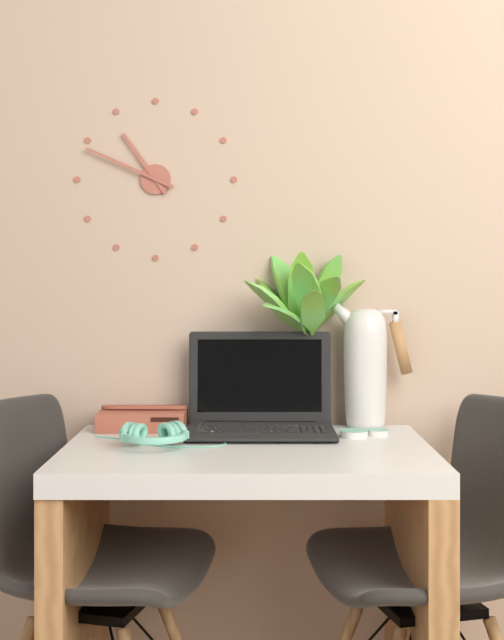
10:49
